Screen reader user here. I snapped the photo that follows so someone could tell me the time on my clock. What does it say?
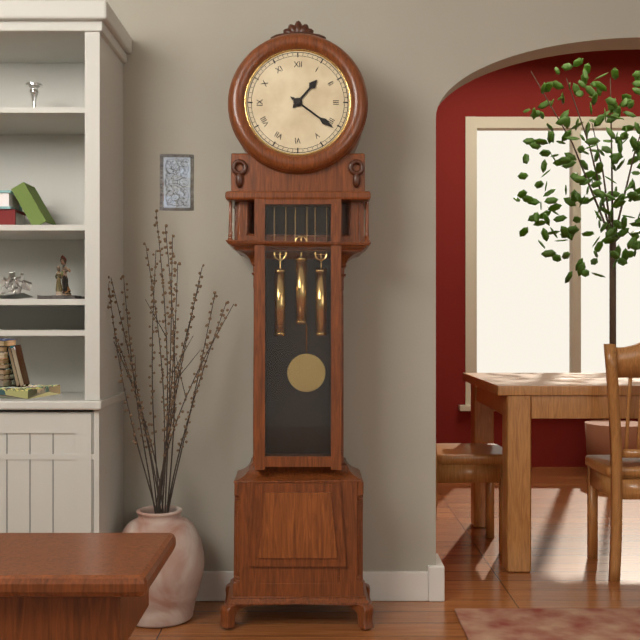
1:21
